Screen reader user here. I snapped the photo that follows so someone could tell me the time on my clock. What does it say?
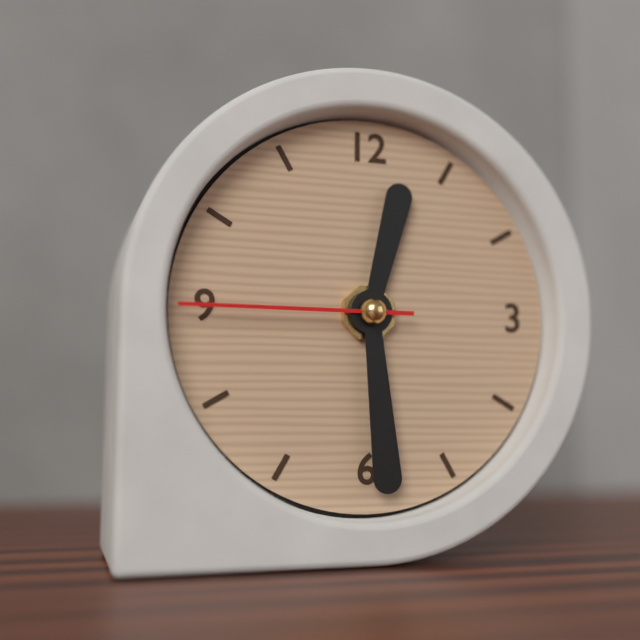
12:29:45
